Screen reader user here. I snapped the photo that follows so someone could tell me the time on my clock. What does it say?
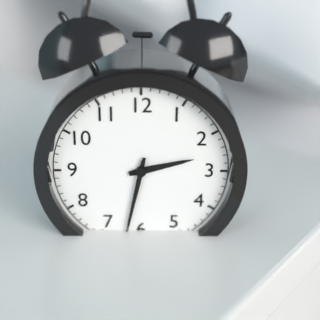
2:32
